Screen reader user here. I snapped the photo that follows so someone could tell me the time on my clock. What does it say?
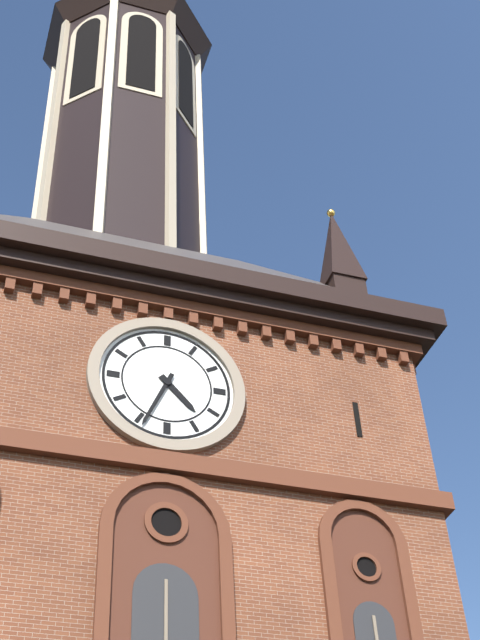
4:34
